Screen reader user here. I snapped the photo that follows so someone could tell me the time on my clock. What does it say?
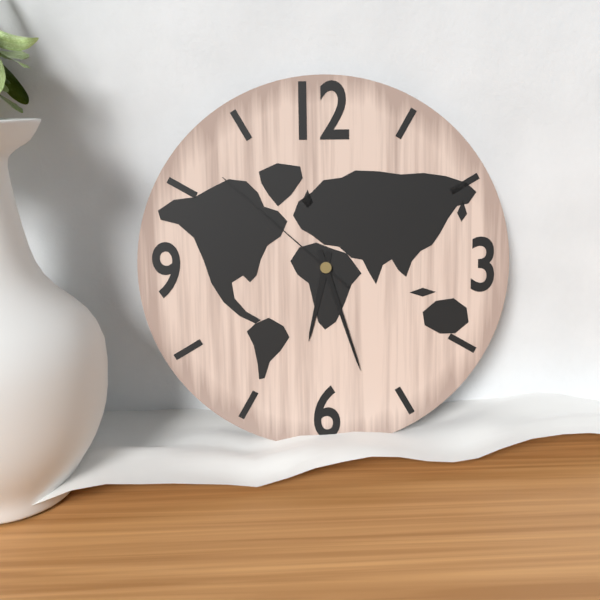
6:27:52
